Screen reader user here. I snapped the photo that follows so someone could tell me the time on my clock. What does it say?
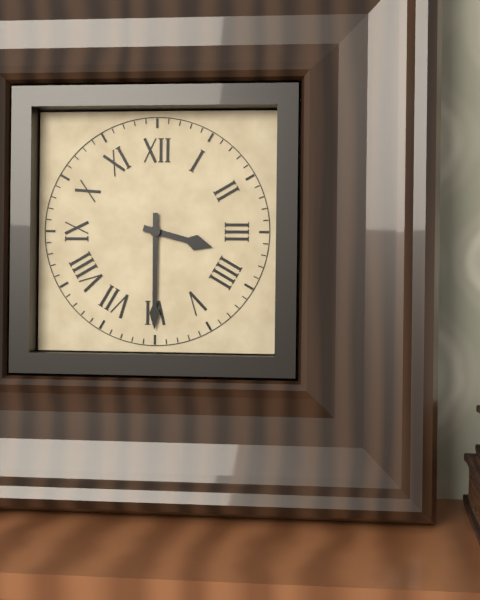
3:30
